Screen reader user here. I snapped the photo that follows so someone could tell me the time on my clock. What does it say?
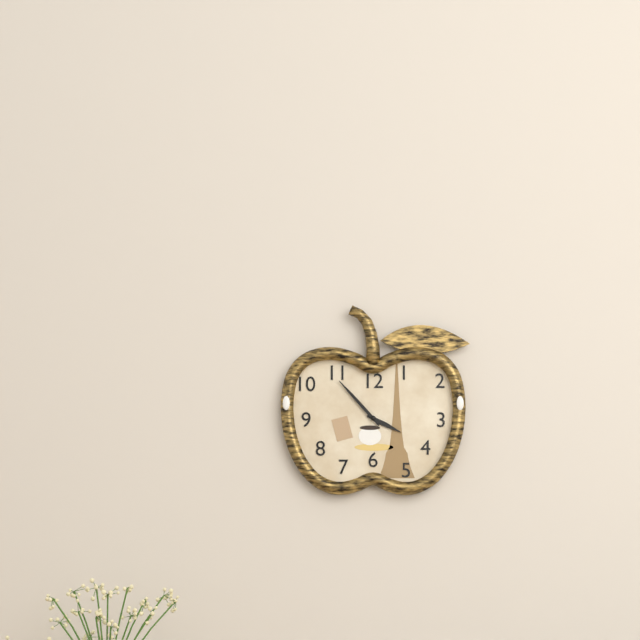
3:53
